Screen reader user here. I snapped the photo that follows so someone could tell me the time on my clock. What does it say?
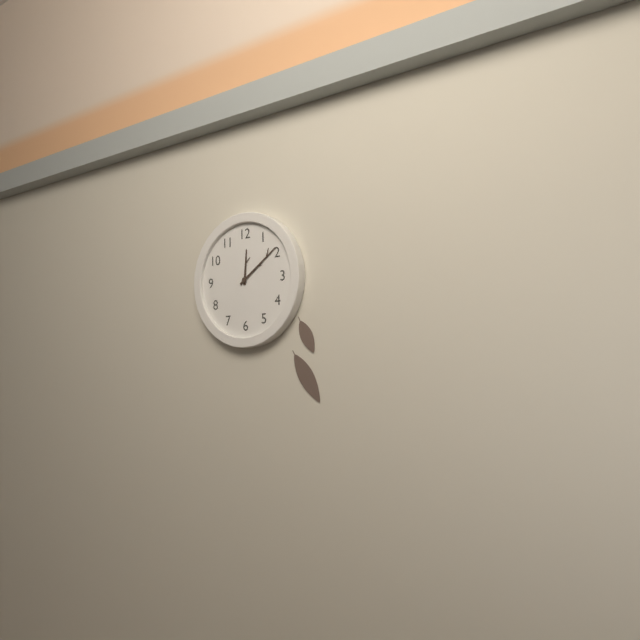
12:09
